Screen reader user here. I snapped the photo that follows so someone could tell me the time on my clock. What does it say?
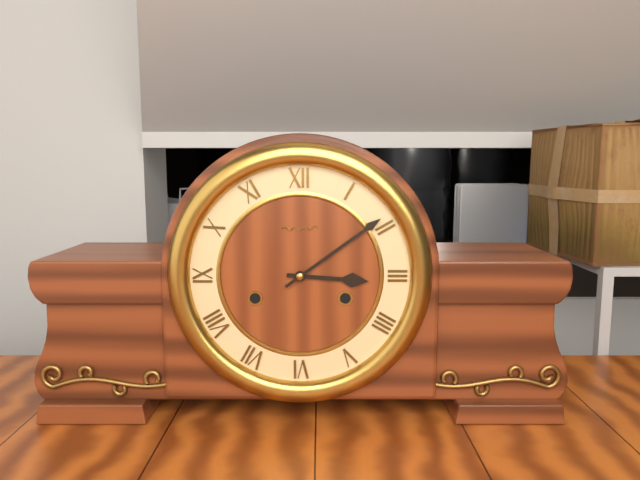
3:09
